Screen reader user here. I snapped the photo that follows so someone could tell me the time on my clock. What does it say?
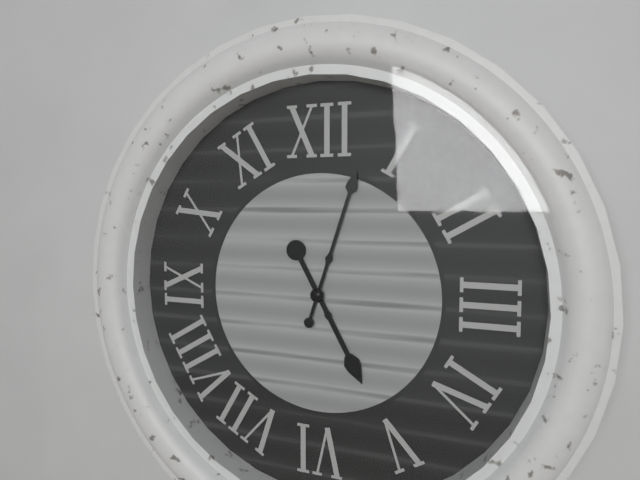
5:03
